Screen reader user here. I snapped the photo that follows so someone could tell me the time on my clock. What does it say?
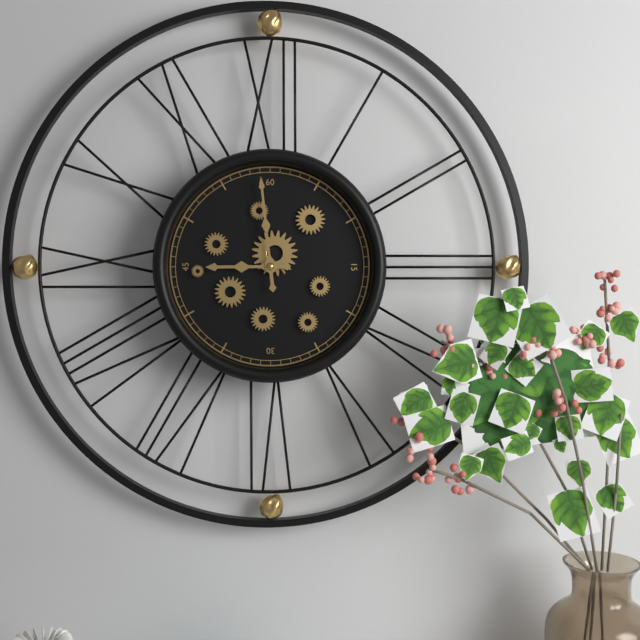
8:59
